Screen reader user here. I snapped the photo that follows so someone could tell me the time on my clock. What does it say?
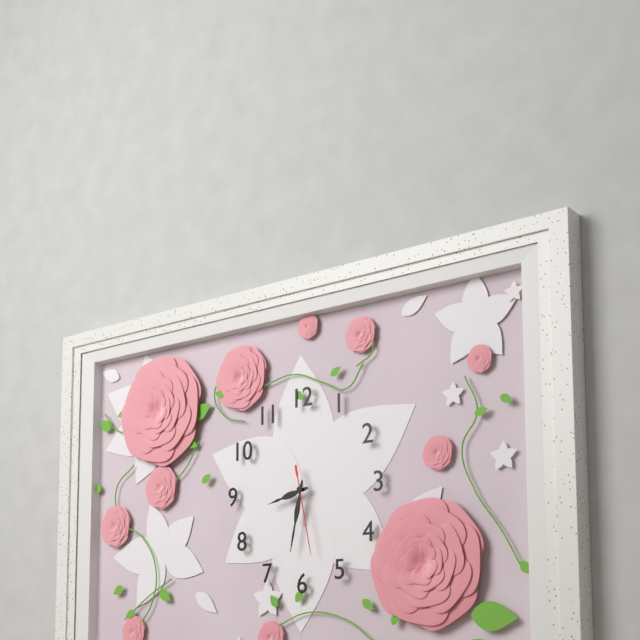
8:32:28
